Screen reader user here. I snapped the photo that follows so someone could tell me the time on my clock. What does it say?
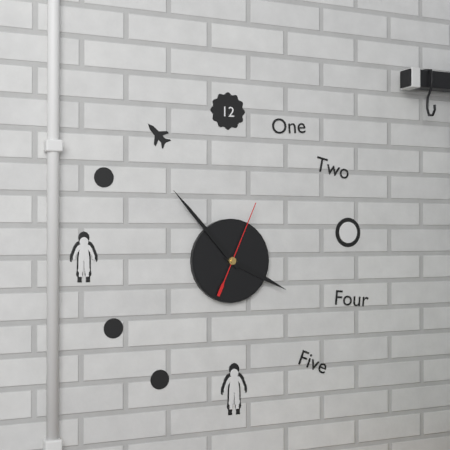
3:53:04
